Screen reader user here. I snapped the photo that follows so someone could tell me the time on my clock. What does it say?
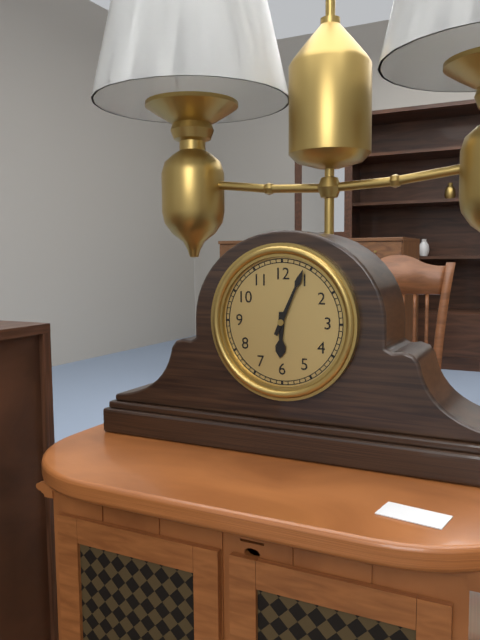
6:04
